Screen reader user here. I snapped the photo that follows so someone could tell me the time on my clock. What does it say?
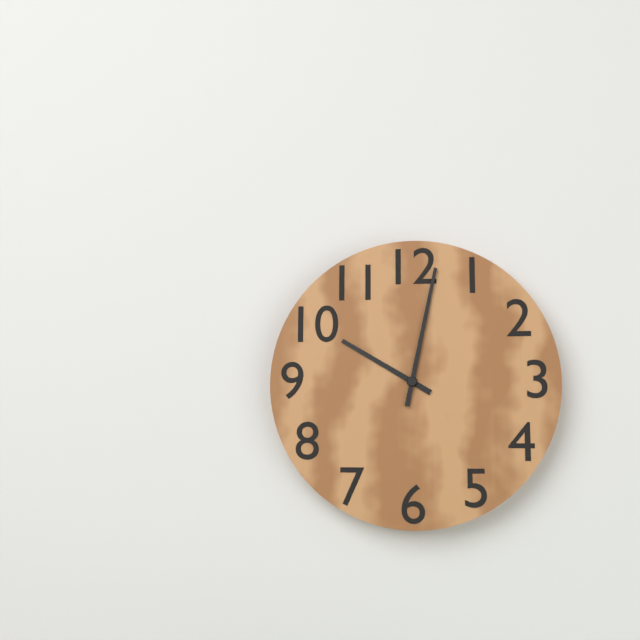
10:02
